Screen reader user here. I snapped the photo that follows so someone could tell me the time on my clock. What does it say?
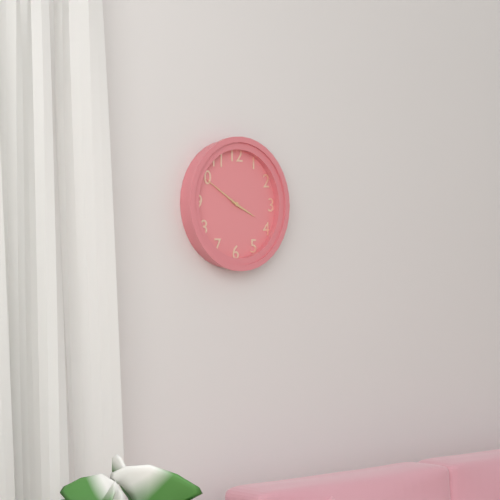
3:50
